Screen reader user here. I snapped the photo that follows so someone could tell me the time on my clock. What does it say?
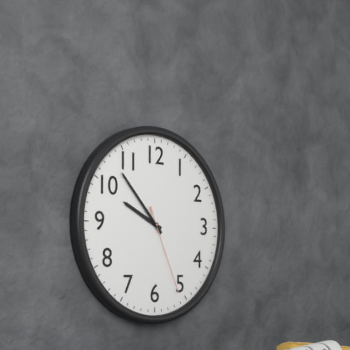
9:53:26
